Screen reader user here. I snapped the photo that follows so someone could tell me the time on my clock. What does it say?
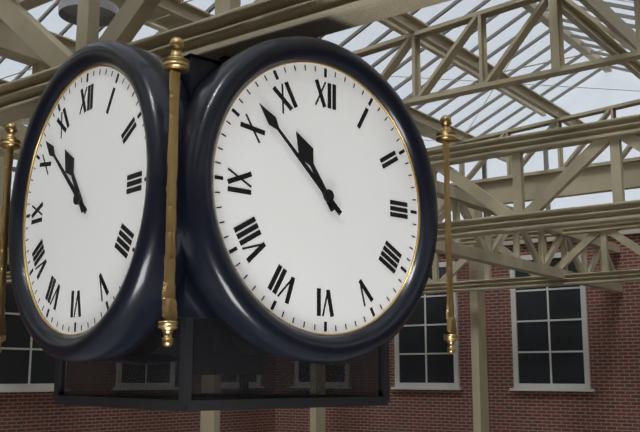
10:52
